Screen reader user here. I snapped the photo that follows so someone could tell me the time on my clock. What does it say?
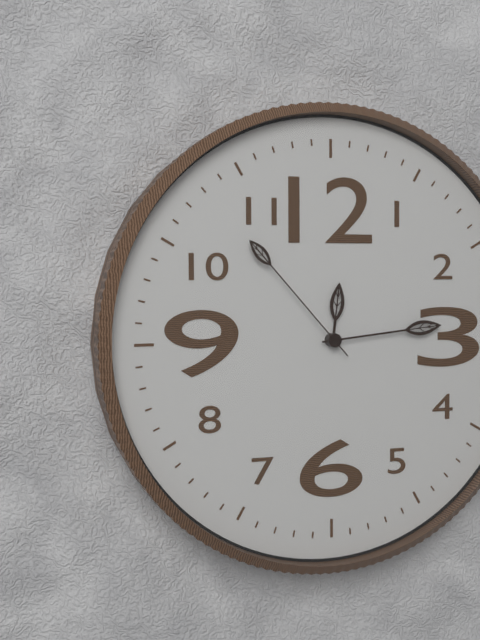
12:14:53
